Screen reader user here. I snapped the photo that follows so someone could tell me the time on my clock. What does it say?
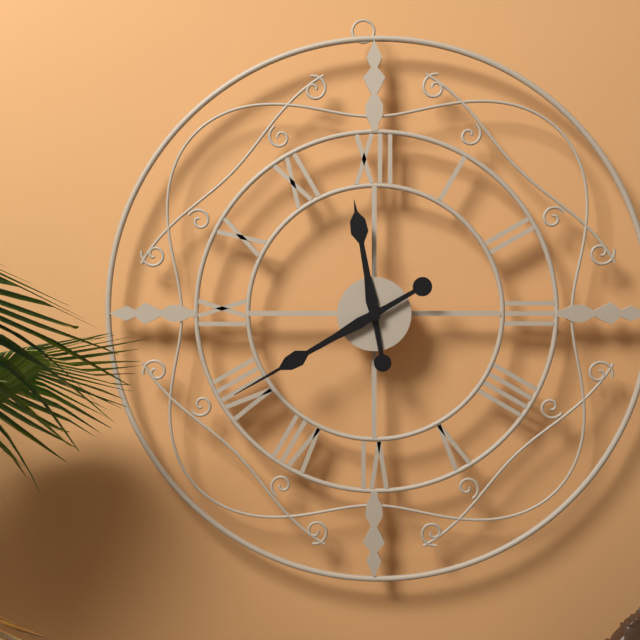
11:40
